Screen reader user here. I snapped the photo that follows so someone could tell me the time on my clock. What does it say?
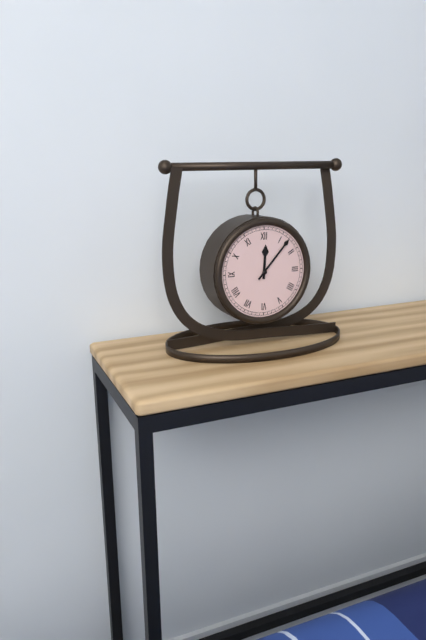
12:07
